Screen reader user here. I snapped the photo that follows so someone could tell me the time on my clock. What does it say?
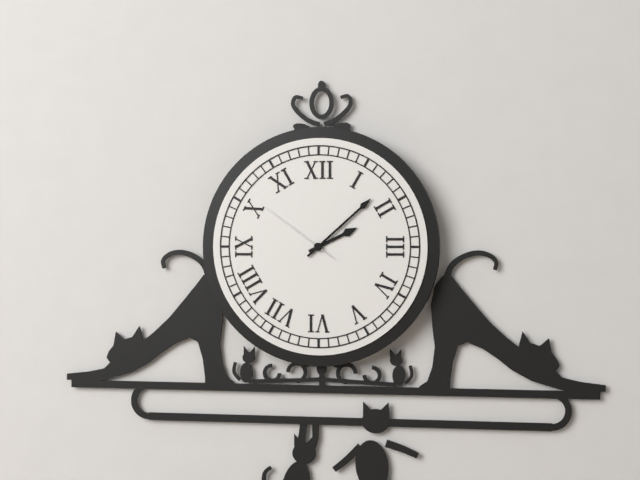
2:08:51
